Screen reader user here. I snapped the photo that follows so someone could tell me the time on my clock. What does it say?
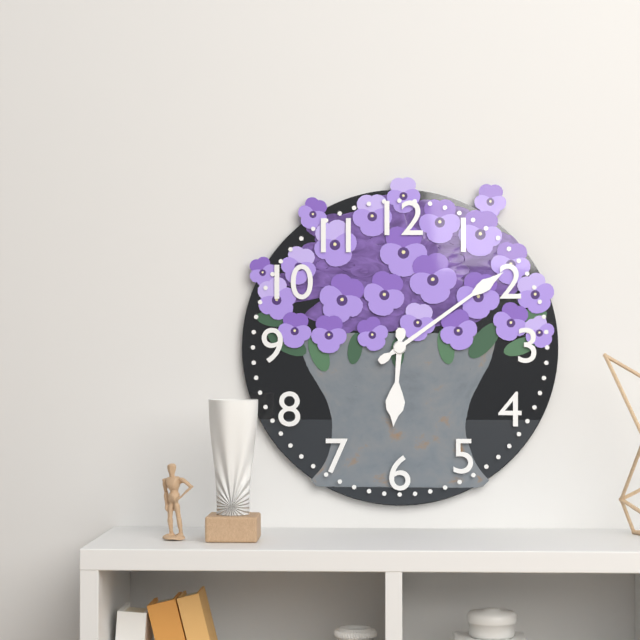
6:09
